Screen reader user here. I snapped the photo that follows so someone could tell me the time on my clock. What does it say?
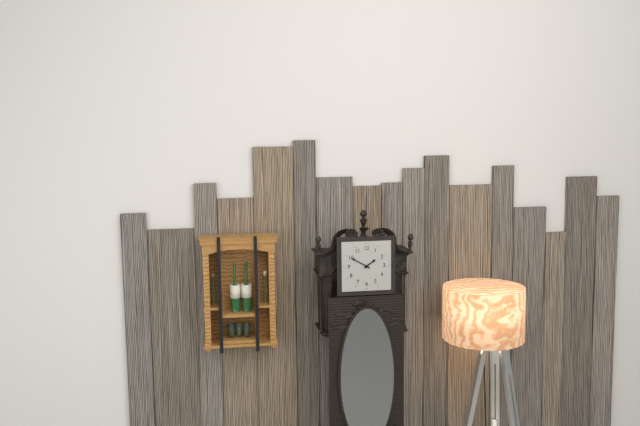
1:50
